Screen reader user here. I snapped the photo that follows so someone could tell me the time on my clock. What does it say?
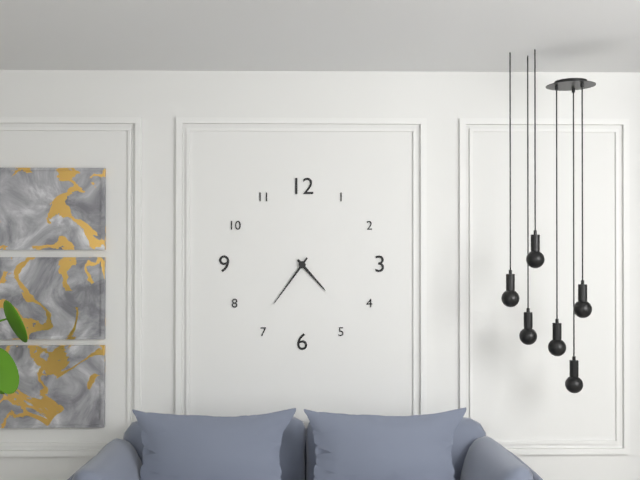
4:36
